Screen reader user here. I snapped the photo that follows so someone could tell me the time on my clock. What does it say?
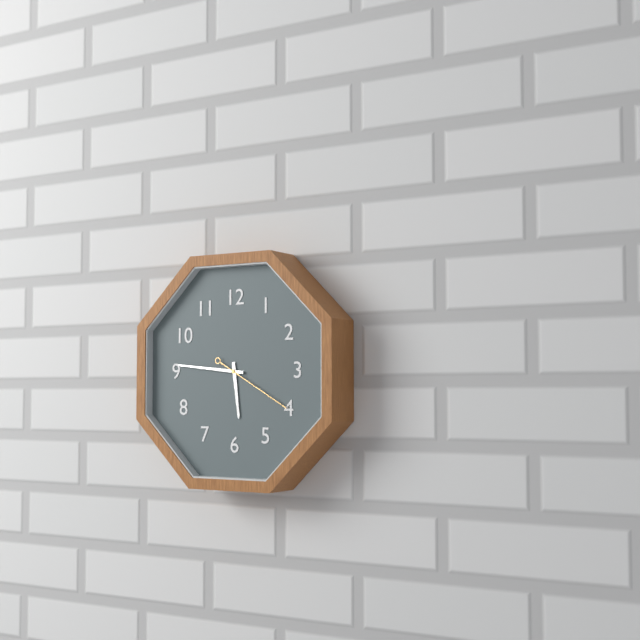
5:46:20
